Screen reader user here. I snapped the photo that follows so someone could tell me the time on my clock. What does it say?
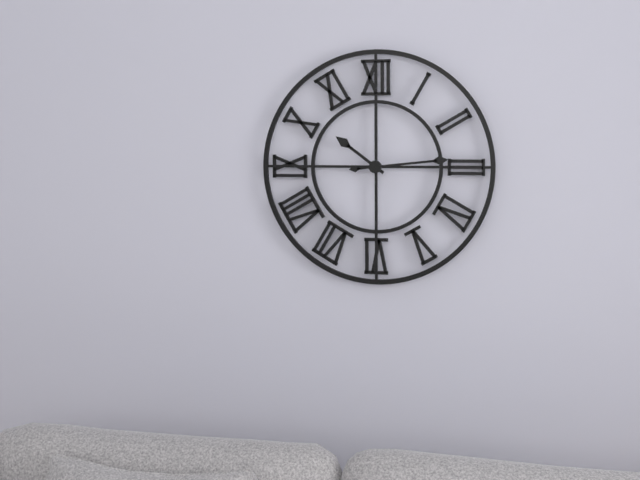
10:14
